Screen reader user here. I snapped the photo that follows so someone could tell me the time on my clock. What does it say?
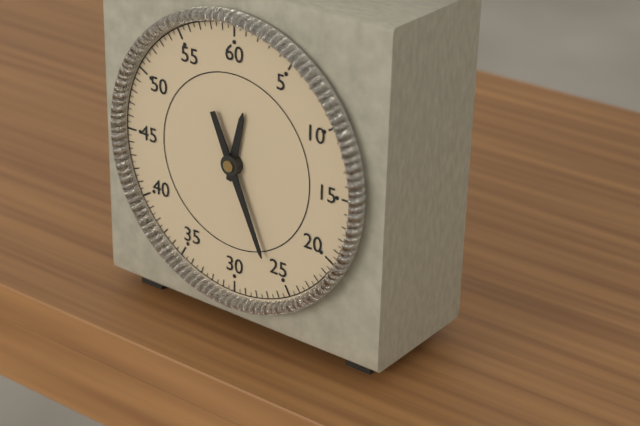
12:26
